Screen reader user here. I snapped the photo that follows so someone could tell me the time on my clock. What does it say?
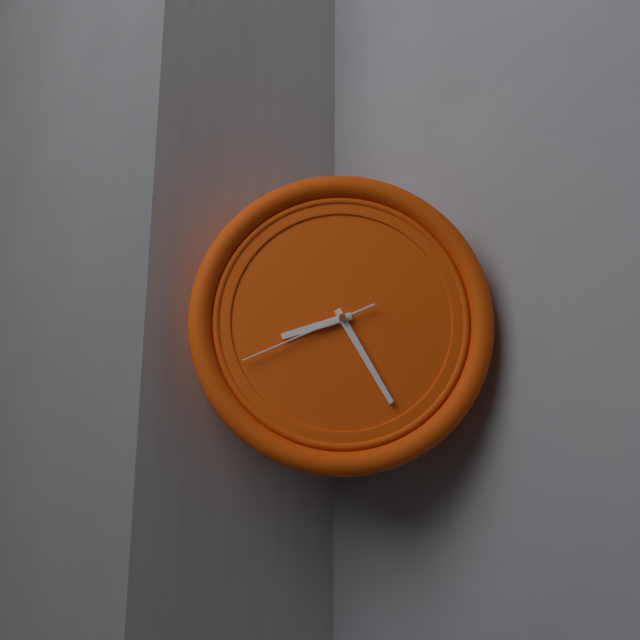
8:25:41
